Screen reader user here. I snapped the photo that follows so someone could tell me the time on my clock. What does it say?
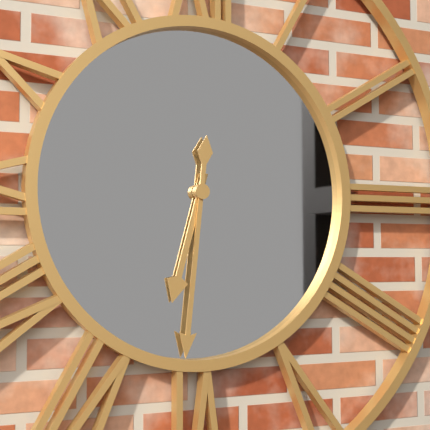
6:31
